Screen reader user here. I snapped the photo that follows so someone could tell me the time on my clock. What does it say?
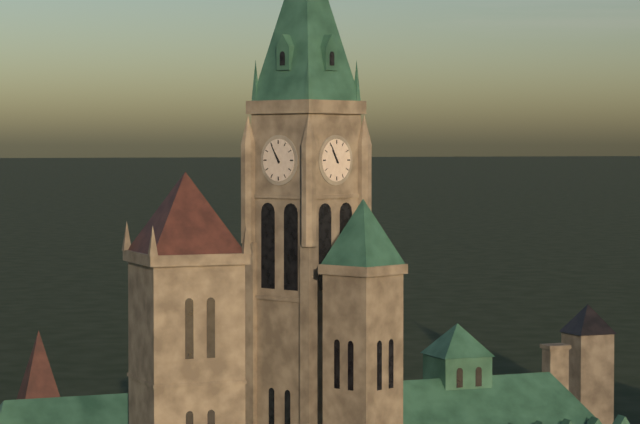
10:55
